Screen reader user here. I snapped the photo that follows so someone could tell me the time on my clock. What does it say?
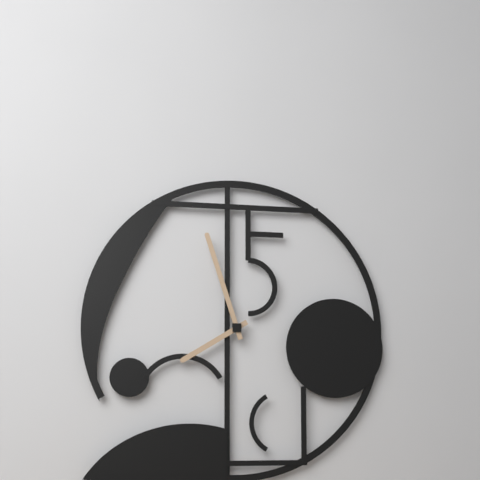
7:57
